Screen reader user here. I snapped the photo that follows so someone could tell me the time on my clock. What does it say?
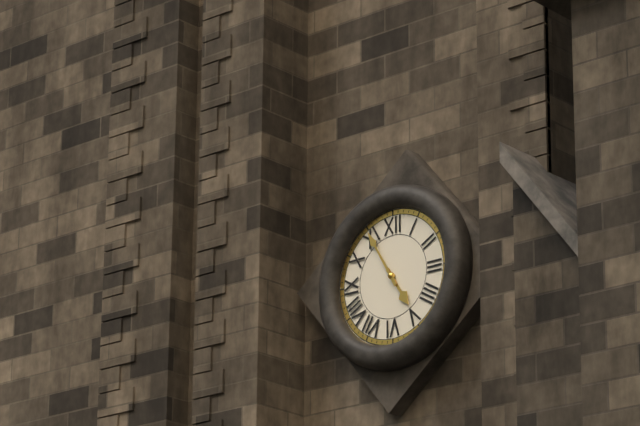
4:55
